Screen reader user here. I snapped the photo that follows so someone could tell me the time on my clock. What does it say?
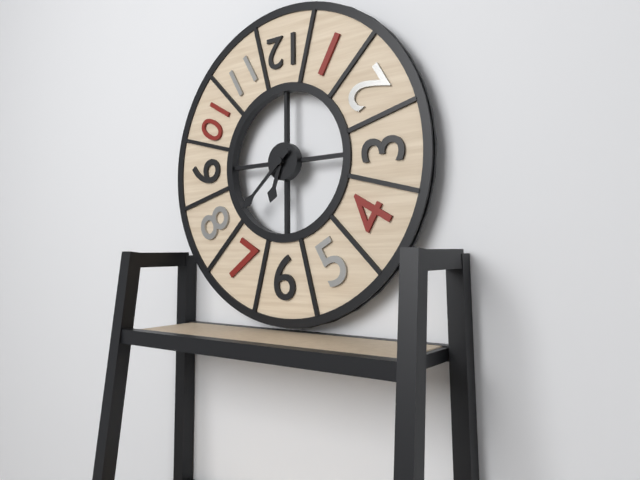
6:38
